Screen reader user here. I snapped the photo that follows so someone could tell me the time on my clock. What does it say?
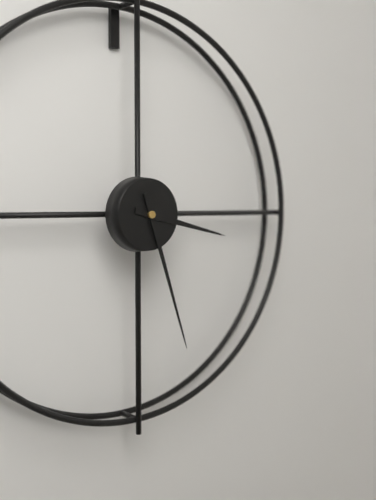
3:27
